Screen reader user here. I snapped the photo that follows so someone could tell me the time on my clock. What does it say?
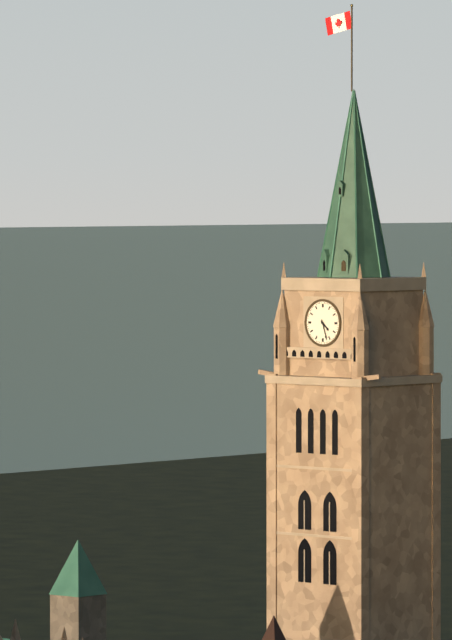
4:27
